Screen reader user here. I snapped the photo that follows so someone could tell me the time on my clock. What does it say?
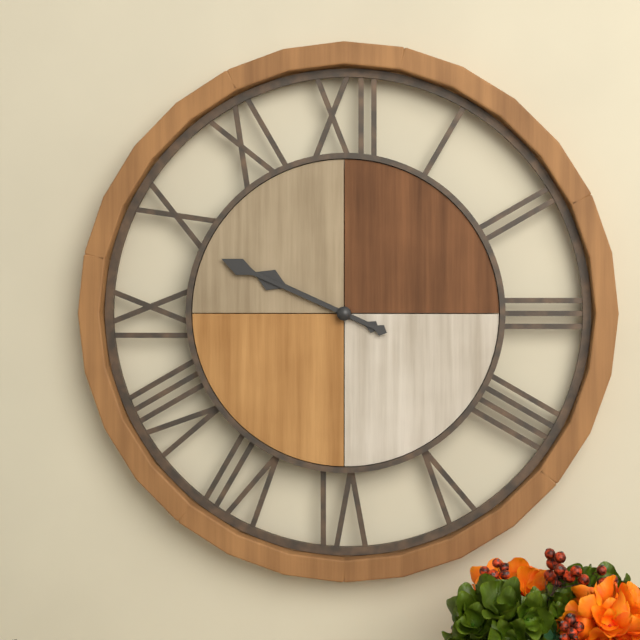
9:49
